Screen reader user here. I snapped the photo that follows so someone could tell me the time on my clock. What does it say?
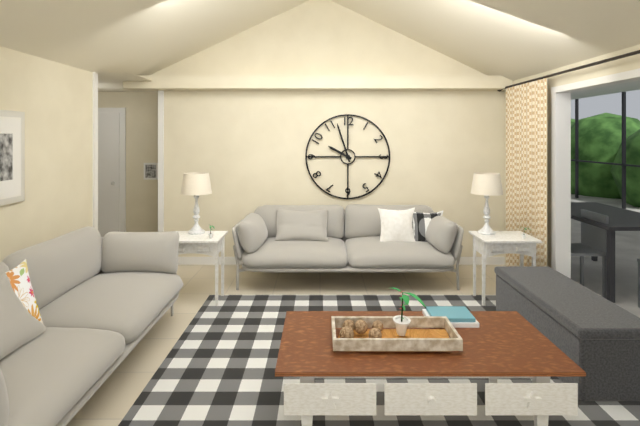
9:57
